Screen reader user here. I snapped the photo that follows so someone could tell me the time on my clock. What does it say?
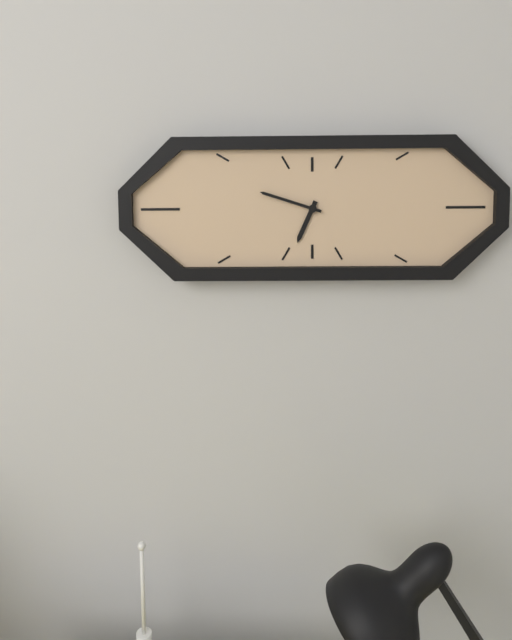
6:48
